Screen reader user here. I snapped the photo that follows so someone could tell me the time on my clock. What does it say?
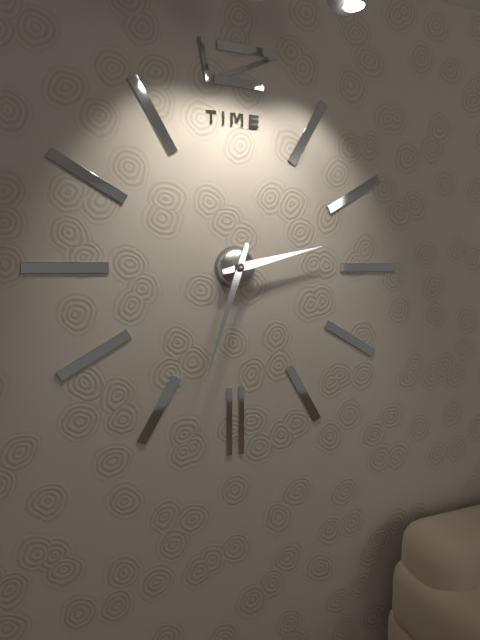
2:33
